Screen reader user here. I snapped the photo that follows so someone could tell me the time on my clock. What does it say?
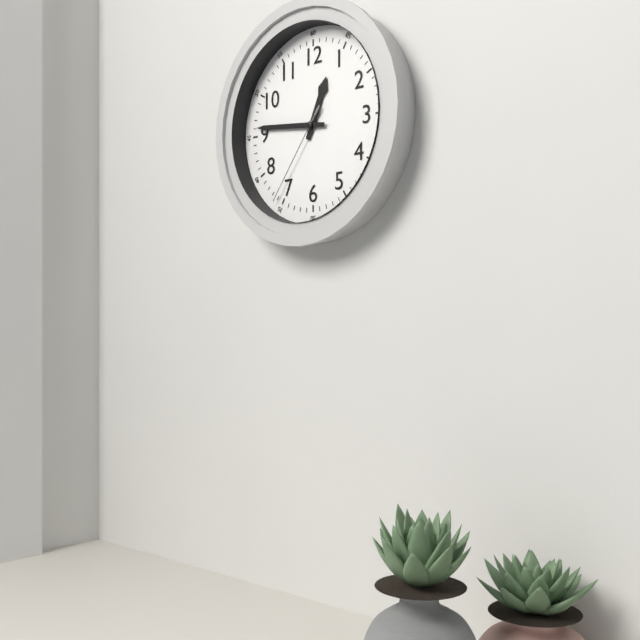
12:46:36
